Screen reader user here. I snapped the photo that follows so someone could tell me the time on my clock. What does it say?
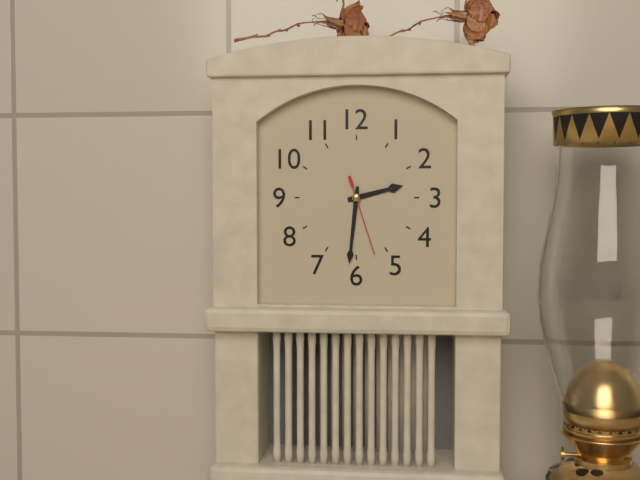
2:31:27
